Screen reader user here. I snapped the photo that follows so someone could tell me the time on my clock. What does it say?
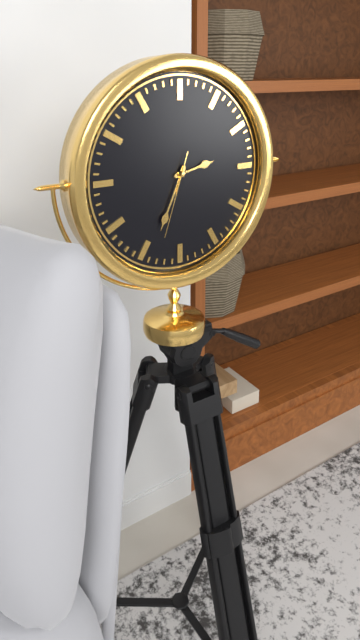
2:34:33
